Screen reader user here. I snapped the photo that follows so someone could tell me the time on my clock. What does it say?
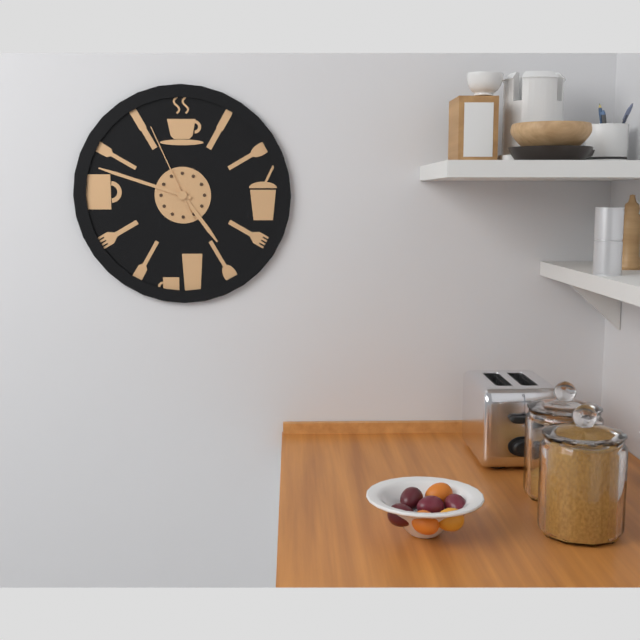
4:48:56
